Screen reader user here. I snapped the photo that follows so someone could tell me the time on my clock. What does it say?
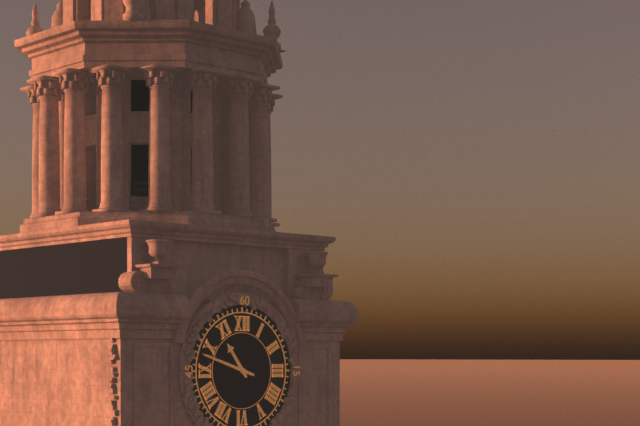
10:48
